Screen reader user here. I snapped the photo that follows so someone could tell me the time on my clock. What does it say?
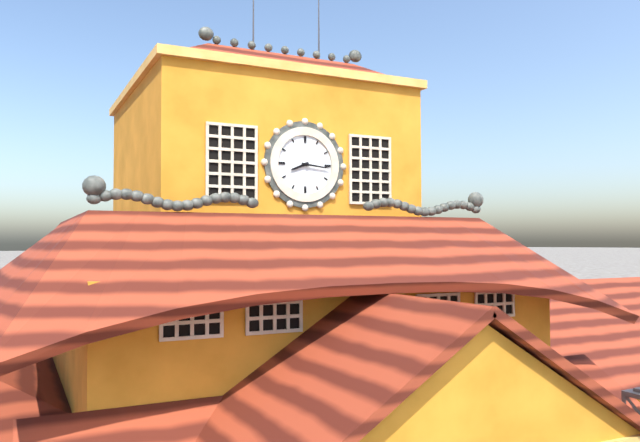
8:16
